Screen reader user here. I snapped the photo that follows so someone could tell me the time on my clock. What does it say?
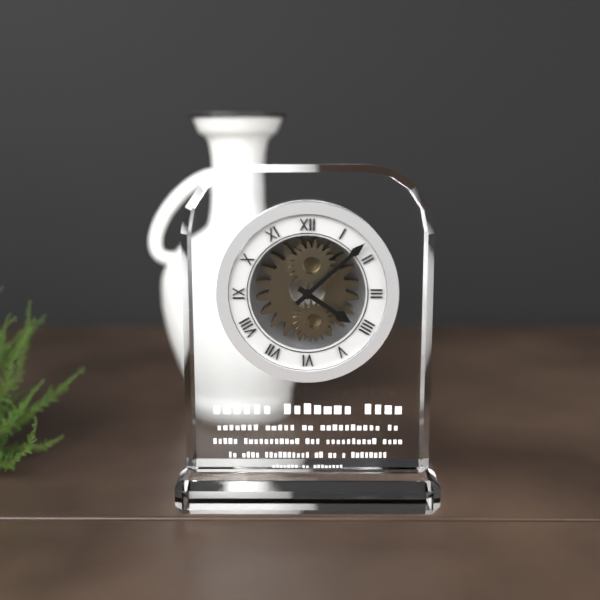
4:08
